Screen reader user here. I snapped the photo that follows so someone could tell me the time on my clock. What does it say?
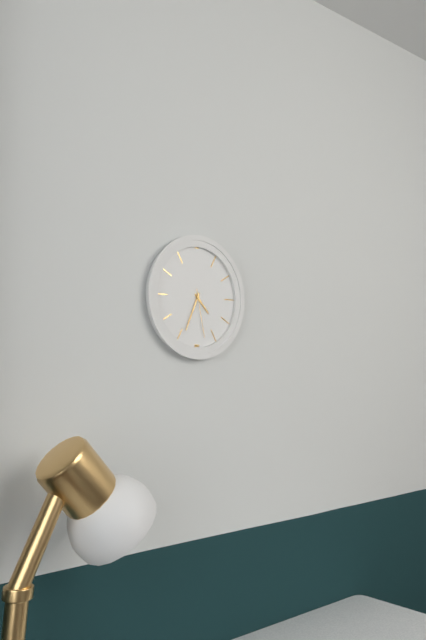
4:34:28
